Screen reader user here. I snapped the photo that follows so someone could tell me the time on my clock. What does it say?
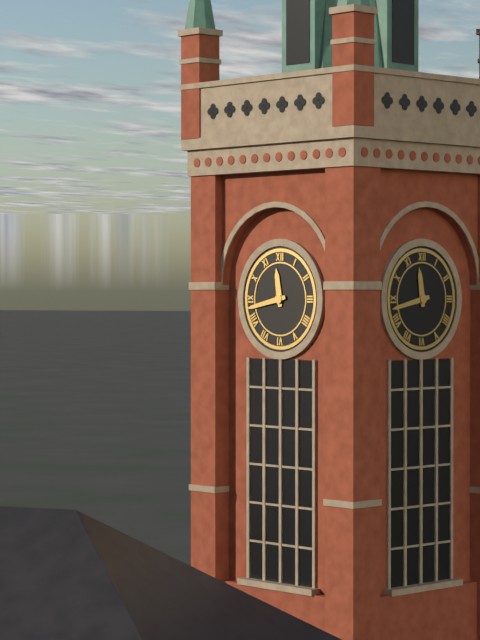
11:43
